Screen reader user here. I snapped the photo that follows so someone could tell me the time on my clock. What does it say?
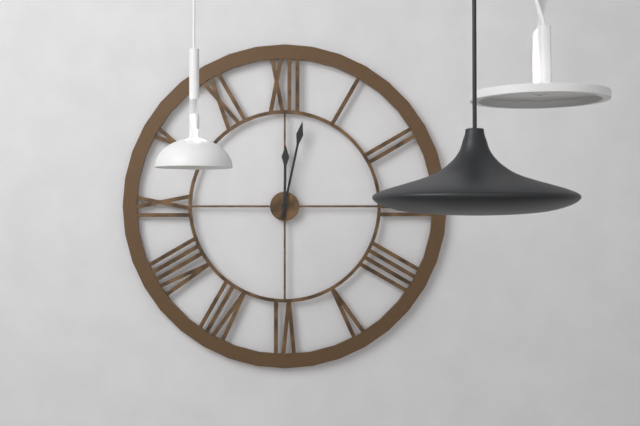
12:02
